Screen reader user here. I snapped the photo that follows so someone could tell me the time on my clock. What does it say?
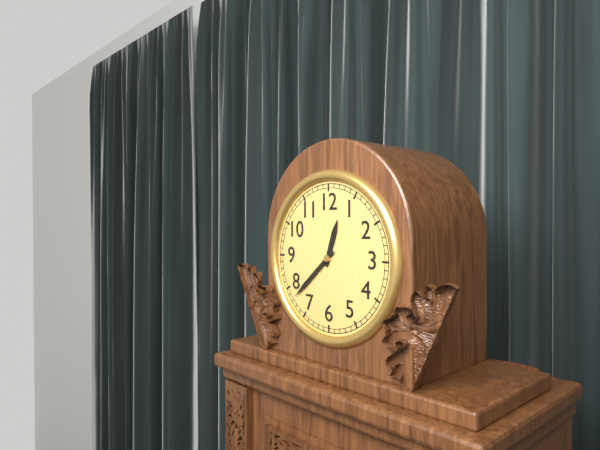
12:38
